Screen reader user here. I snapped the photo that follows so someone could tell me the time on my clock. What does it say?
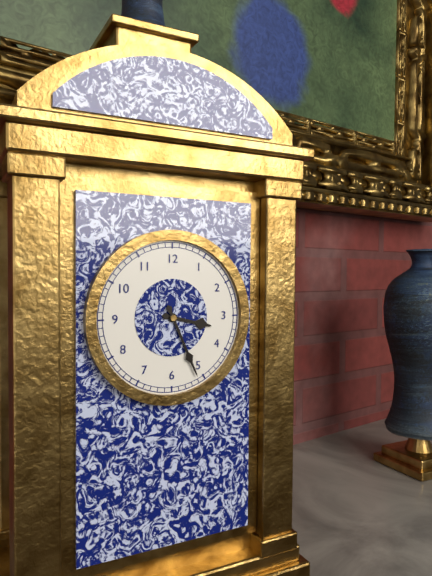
3:26
